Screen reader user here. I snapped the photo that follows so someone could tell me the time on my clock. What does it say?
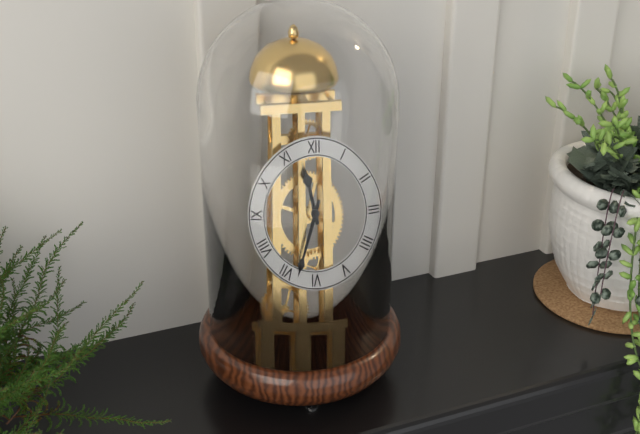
11:33
